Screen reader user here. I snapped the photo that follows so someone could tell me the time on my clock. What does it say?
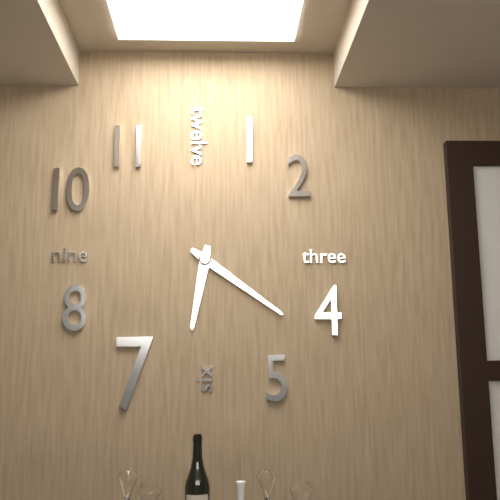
6:21
